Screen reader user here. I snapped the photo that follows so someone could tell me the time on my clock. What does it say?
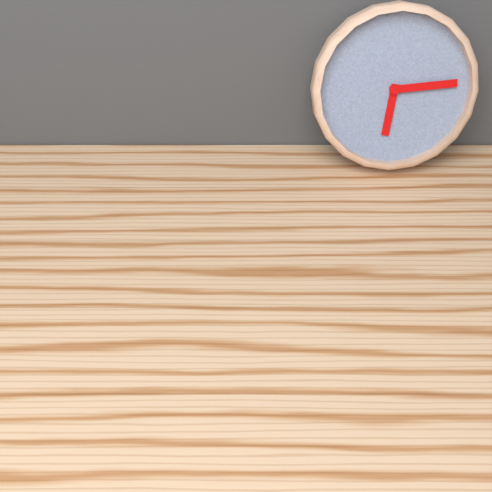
6:14
